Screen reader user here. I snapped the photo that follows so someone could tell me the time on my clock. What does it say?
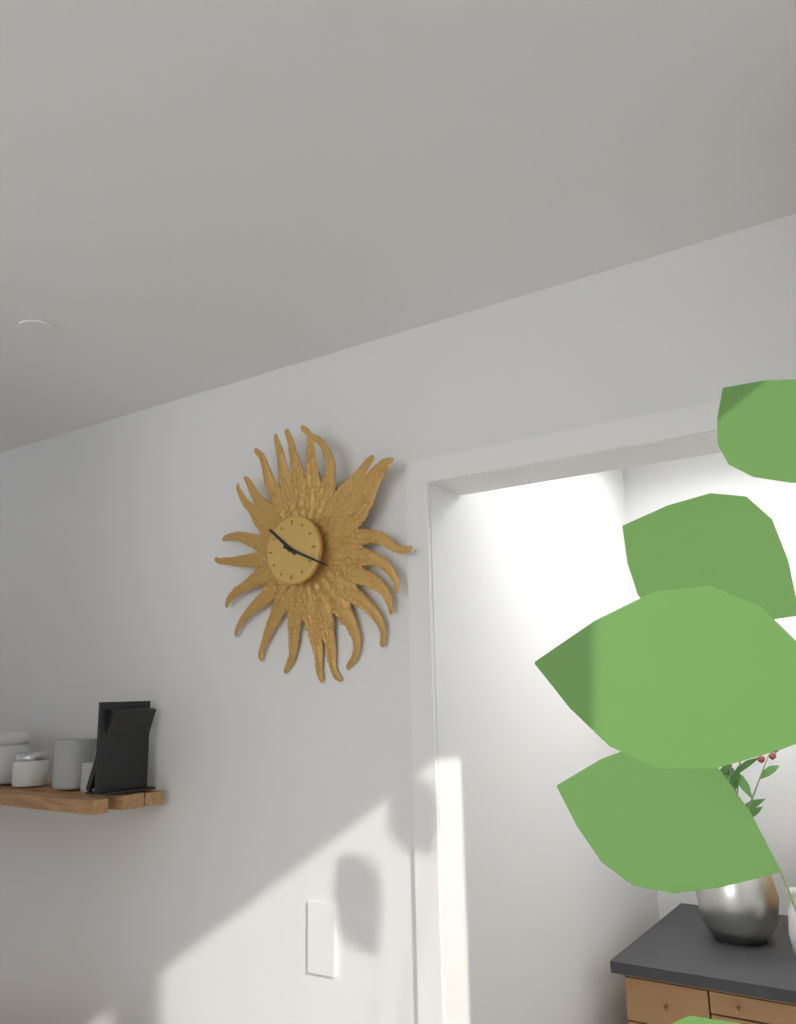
10:19
